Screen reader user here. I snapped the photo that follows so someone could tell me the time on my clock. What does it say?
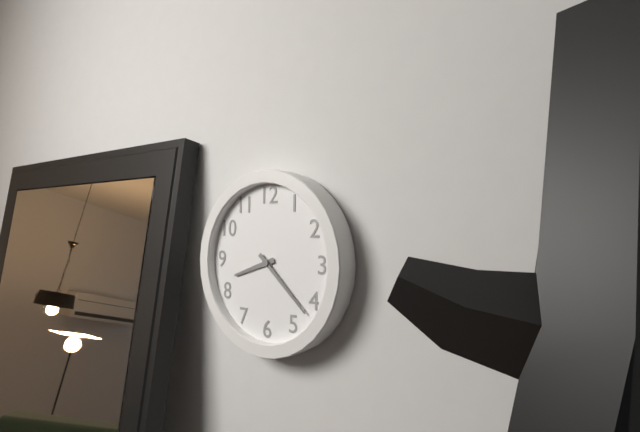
8:22
